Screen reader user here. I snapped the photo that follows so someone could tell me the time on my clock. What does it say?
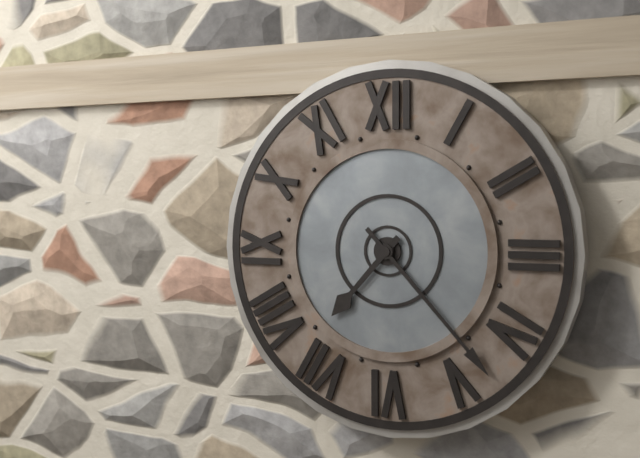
7:23
